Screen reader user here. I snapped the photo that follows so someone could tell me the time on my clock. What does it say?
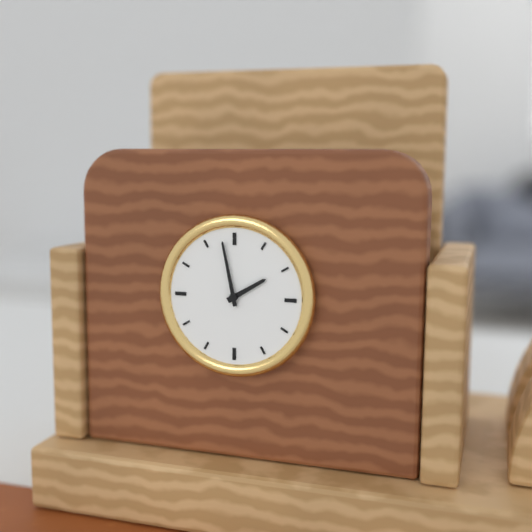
1:58
